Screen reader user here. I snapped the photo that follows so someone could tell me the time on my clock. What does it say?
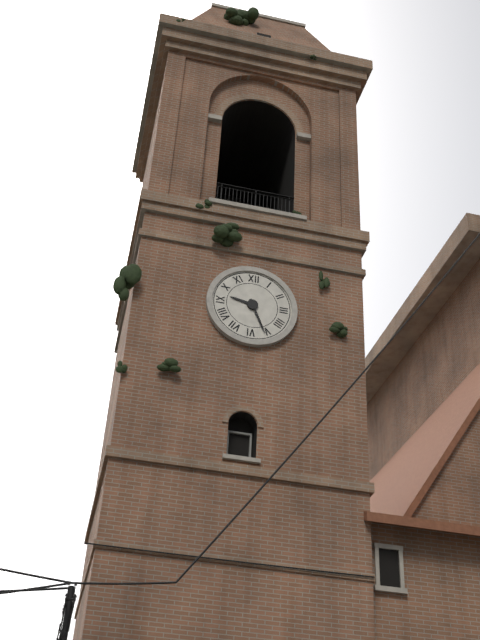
9:26
